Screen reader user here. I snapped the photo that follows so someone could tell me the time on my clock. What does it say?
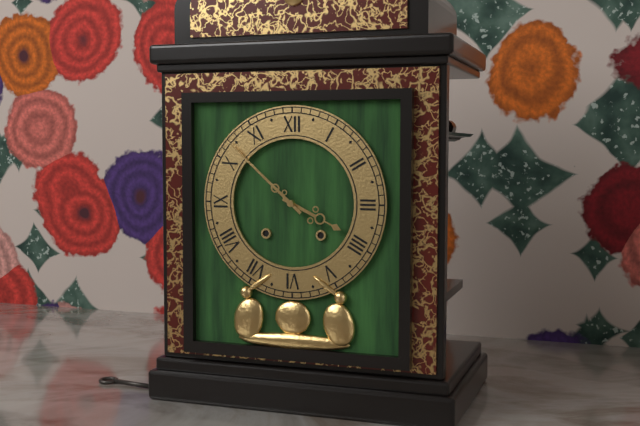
3:52
